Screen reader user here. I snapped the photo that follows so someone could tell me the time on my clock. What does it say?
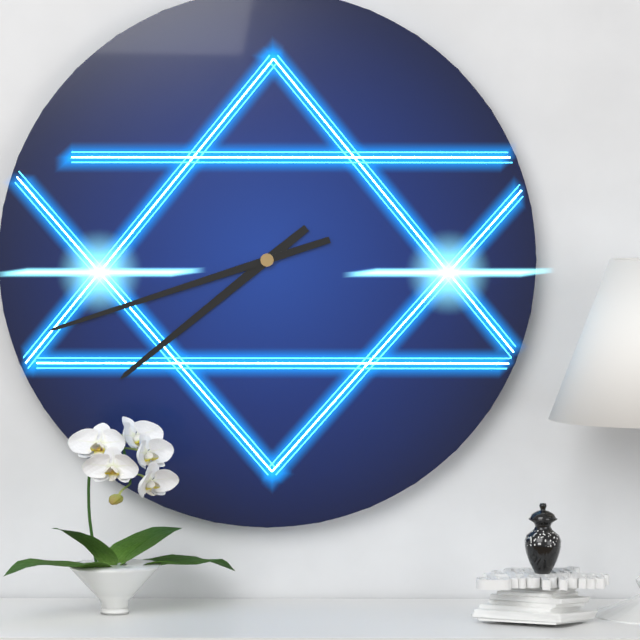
7:42
